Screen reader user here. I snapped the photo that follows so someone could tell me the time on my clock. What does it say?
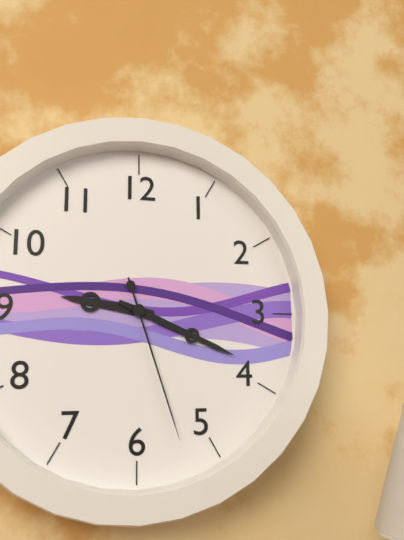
9:19:27
